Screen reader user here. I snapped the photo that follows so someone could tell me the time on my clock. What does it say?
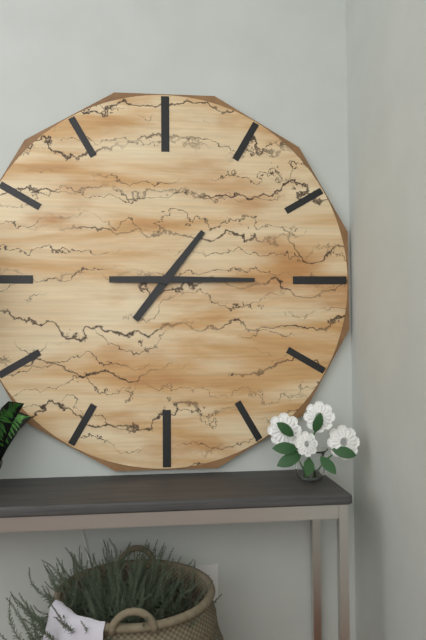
1:15
